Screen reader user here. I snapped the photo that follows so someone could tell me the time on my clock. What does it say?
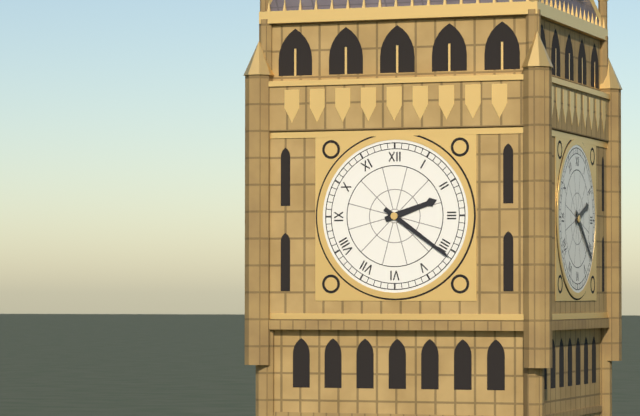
2:21
